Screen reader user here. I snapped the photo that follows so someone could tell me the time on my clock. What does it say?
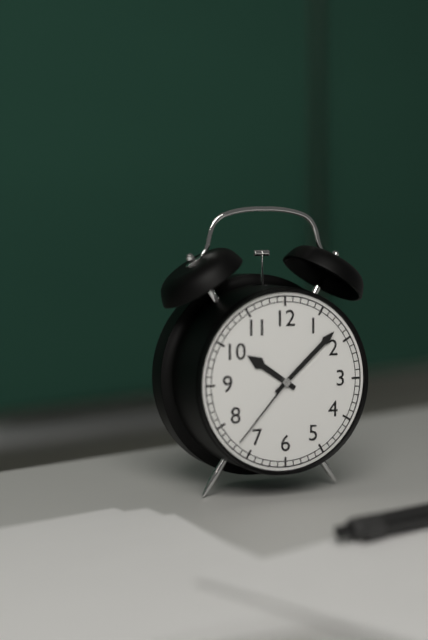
10:08:37
